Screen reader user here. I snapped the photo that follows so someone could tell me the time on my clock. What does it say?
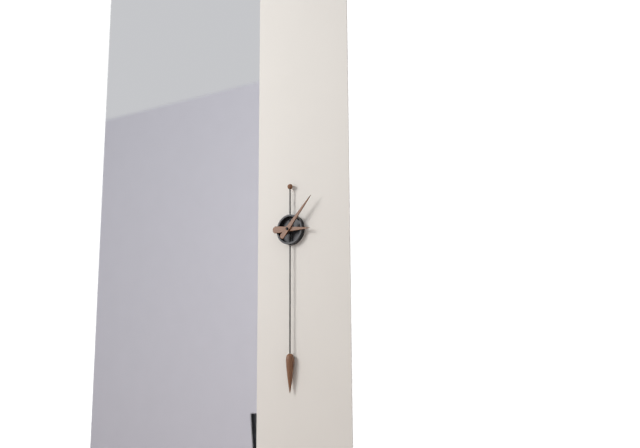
3:07
